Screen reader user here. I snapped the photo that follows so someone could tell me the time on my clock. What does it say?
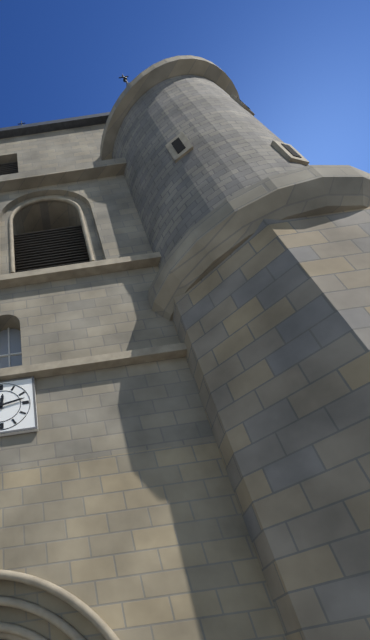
12:13
